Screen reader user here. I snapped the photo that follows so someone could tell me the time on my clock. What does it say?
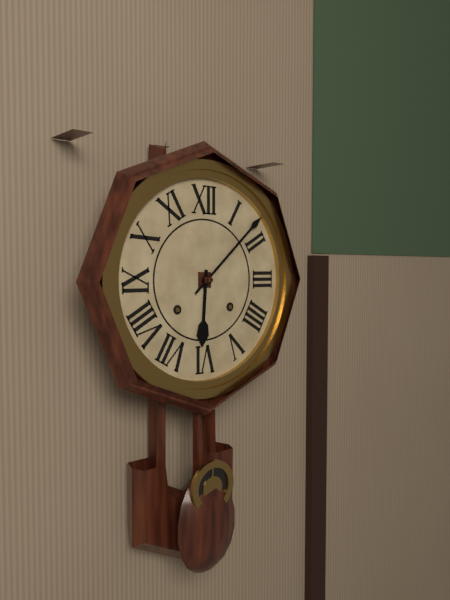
6:08
